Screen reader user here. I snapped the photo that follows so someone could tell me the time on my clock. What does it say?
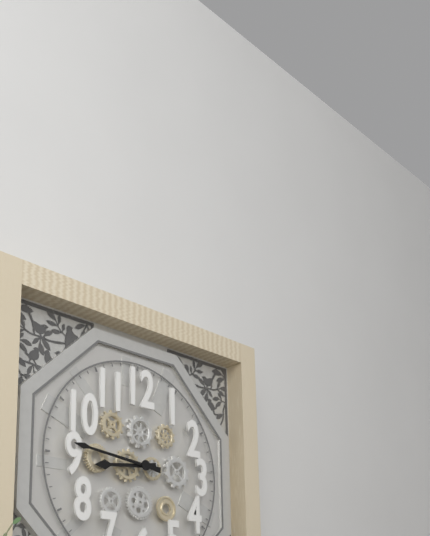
8:46
